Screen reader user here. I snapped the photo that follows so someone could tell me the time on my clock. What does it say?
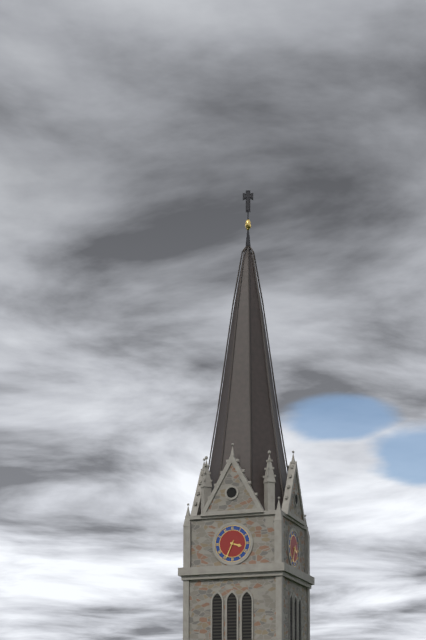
3:34
